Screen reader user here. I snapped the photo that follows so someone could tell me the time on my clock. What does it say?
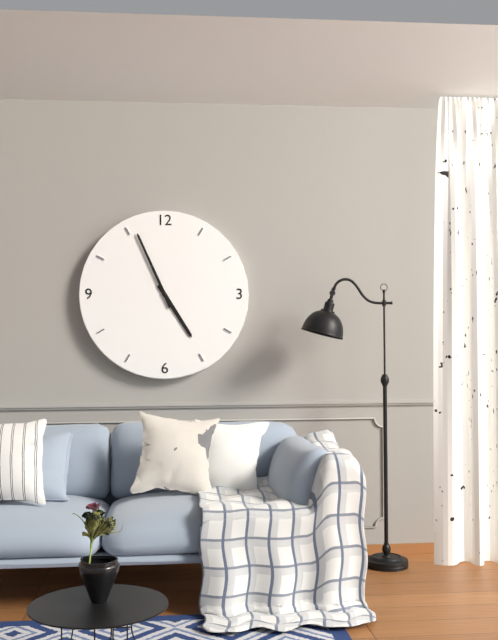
4:56
